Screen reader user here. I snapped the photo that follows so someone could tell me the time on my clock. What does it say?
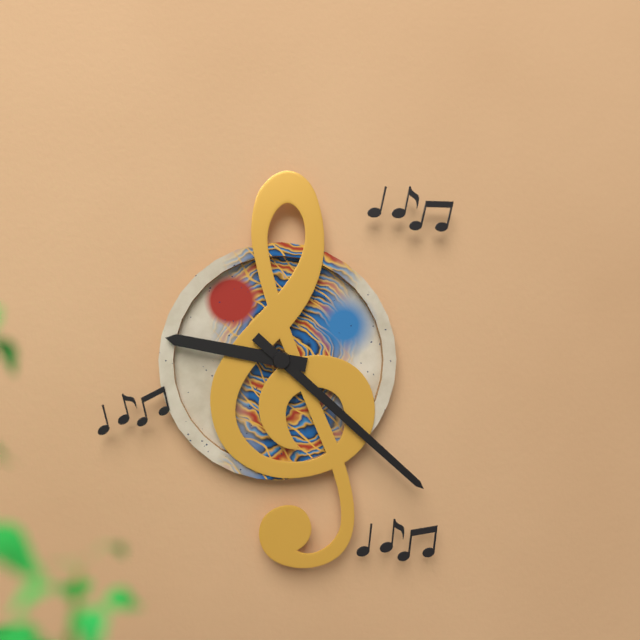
9:22
